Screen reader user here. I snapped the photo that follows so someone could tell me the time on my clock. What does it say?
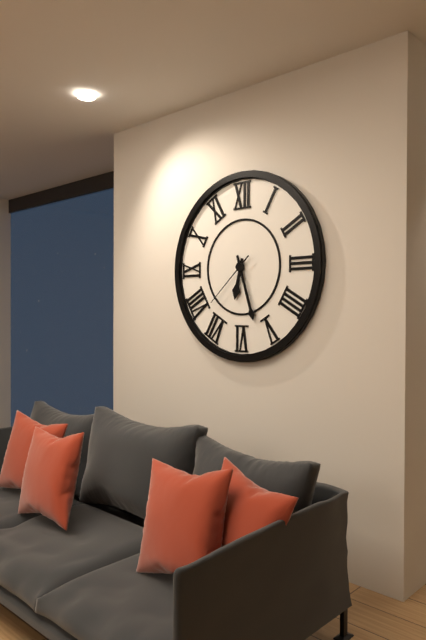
6:27:38
